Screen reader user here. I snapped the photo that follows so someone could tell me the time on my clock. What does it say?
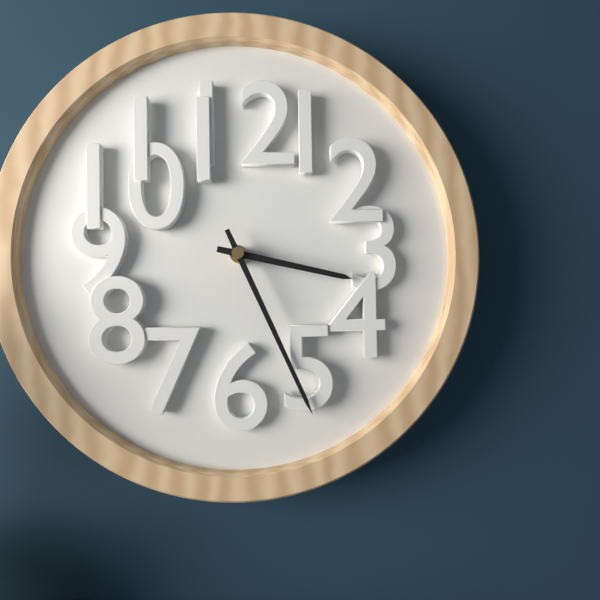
3:26
